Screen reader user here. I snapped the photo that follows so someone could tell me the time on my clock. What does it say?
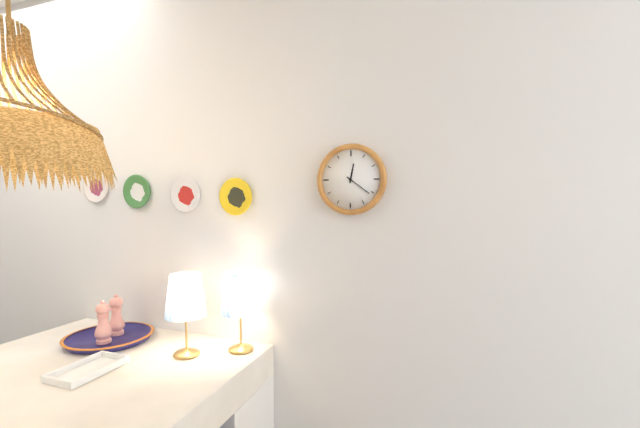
12:21
